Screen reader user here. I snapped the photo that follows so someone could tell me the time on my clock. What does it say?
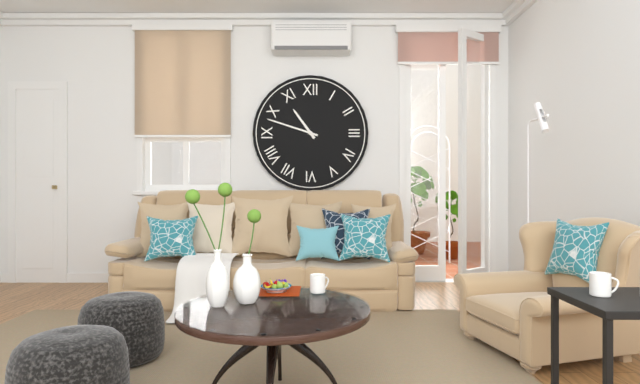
10:48
